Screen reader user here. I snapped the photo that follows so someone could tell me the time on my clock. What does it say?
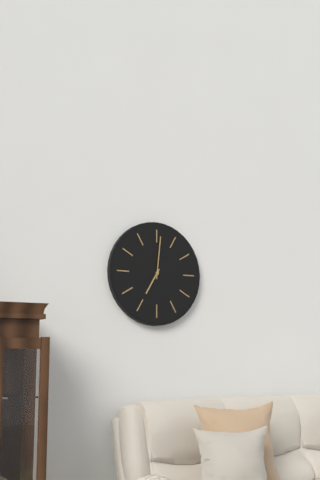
7:01
